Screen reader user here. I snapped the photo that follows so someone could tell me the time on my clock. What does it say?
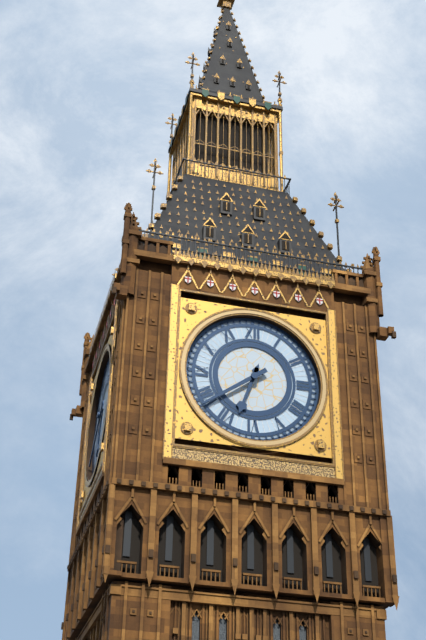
6:39
